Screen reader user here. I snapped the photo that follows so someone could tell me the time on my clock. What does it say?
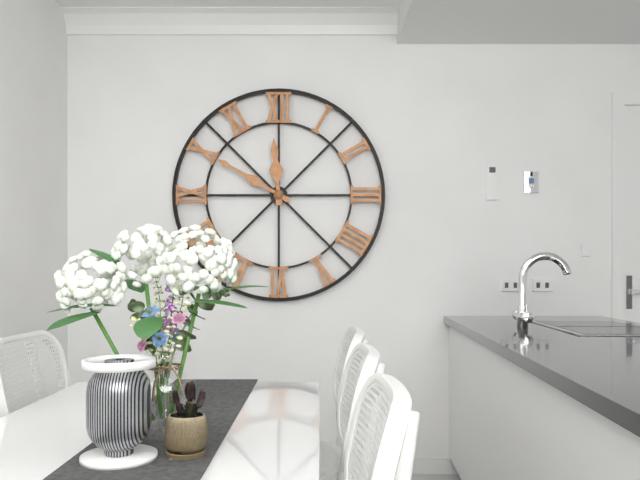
11:50
